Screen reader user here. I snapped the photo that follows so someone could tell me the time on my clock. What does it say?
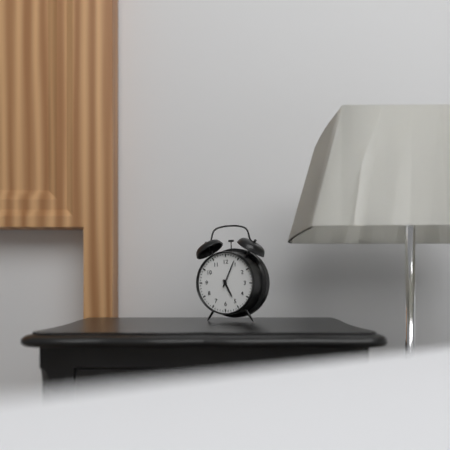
5:04
